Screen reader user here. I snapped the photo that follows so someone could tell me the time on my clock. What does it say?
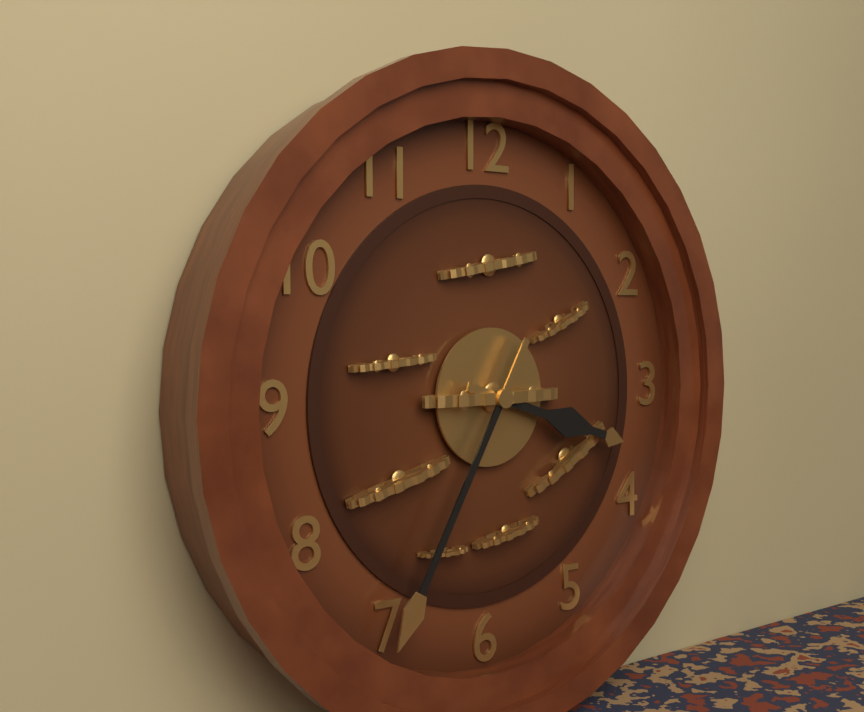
3:35
